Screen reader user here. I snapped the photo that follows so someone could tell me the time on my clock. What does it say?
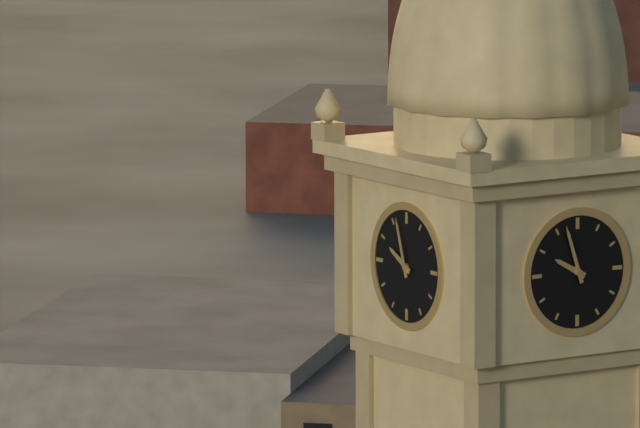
9:57
